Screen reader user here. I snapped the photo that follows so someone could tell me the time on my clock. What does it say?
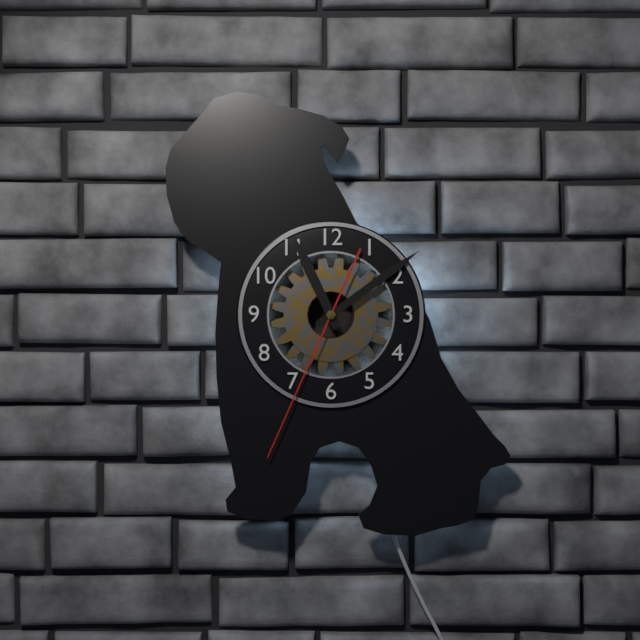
11:09:34
